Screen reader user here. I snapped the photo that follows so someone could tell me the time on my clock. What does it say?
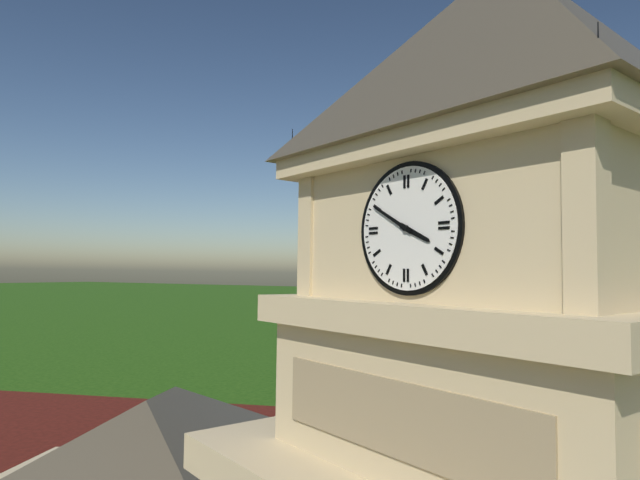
3:50
